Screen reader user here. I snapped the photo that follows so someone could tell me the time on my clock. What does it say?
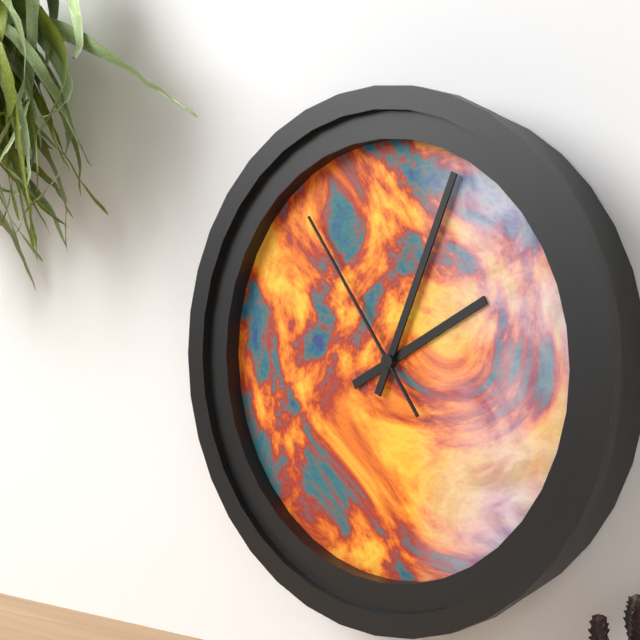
2:04:54
